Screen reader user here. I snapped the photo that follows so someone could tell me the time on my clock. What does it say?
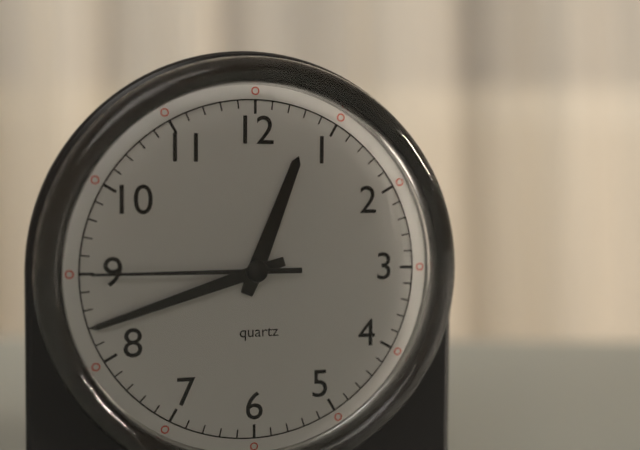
12:42:45
